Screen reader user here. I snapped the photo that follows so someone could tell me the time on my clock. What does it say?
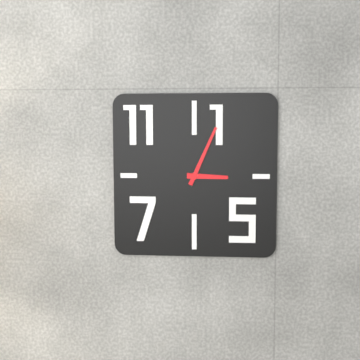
3:04
